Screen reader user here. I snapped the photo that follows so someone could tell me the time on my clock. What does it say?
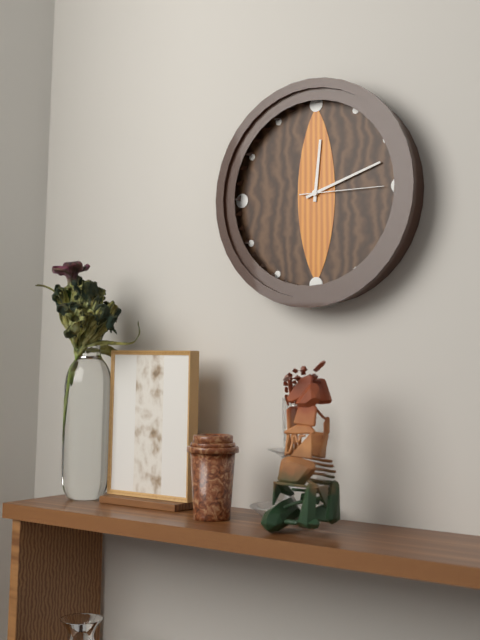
12:12:15
